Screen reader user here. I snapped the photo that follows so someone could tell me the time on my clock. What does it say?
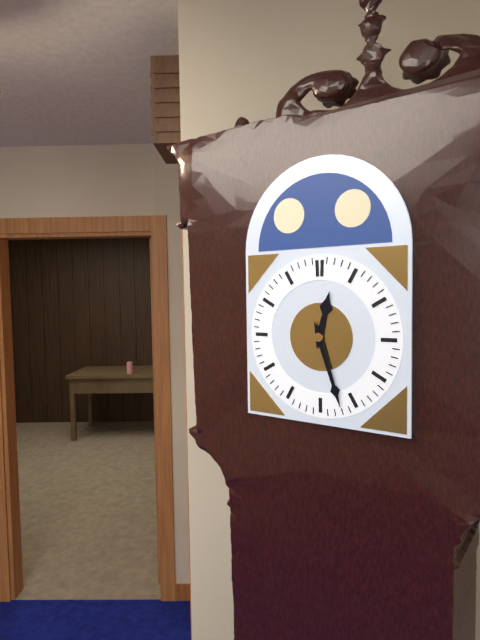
12:27
